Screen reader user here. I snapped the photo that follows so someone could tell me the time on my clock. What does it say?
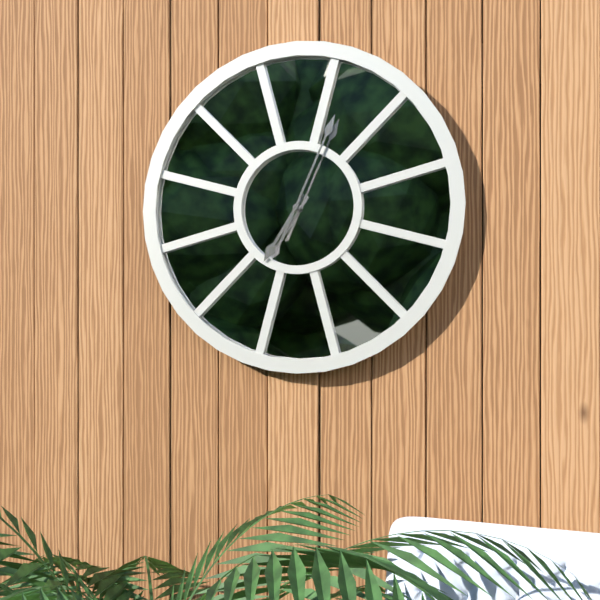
7:04
